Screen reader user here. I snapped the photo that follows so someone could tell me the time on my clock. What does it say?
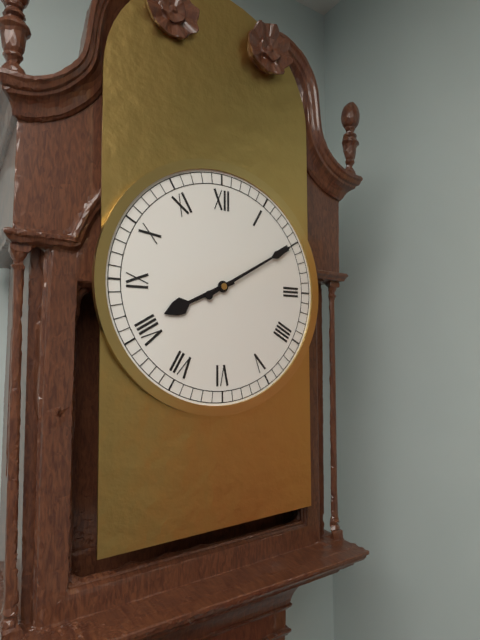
8:10
